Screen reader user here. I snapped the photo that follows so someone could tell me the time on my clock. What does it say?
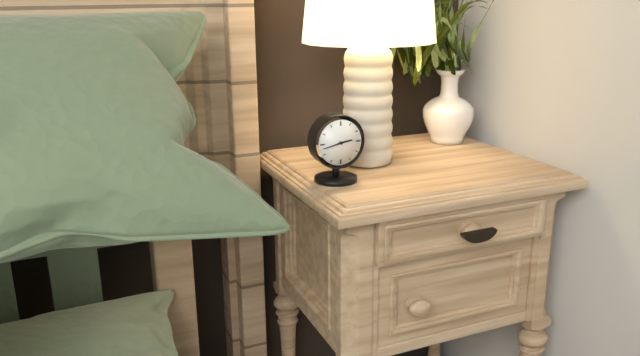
2:43
